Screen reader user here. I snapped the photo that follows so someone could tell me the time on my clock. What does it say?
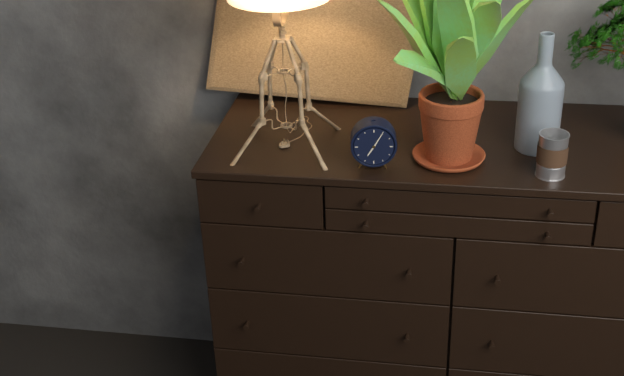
7:05
